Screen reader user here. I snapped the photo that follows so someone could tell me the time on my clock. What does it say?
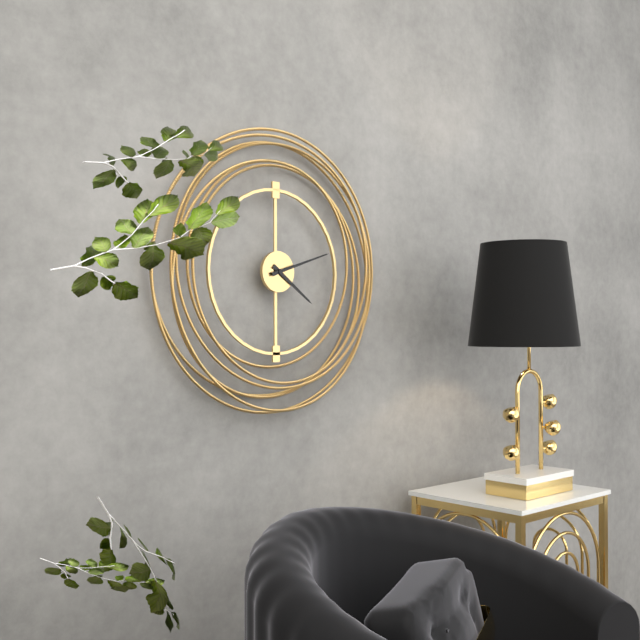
4:12
